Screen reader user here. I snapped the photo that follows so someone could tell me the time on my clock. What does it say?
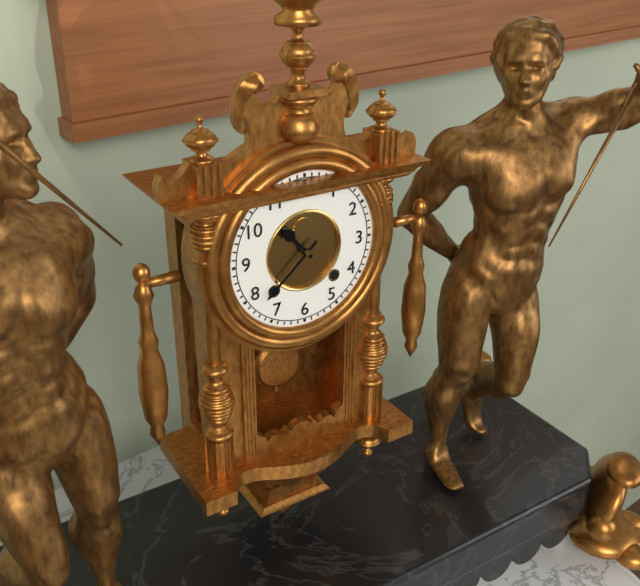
10:38
